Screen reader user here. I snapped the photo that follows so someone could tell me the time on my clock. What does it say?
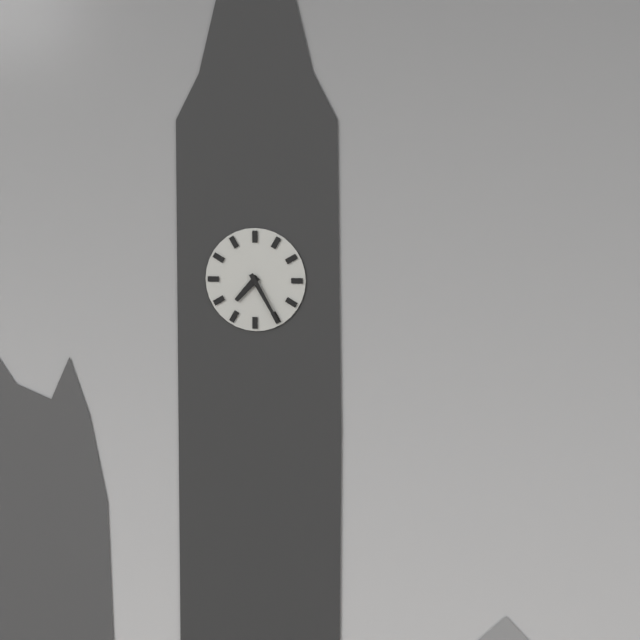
7:25
